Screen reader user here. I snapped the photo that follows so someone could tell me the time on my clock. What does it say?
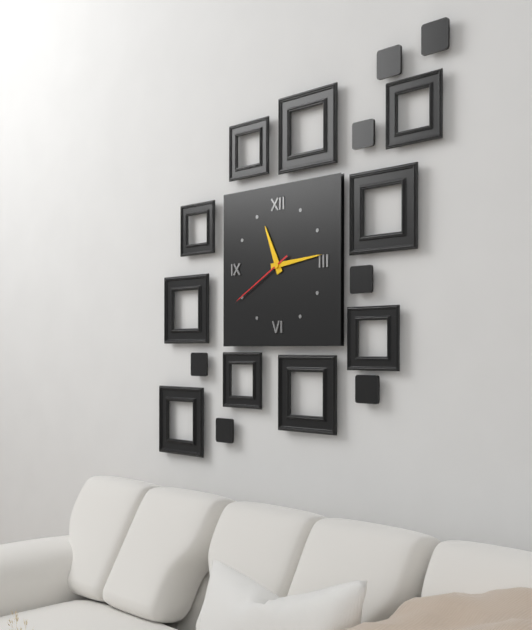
11:14:40
